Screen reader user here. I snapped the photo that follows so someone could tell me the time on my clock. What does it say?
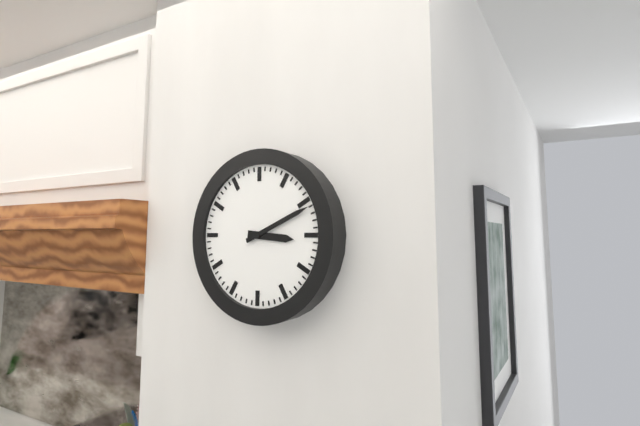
3:11
